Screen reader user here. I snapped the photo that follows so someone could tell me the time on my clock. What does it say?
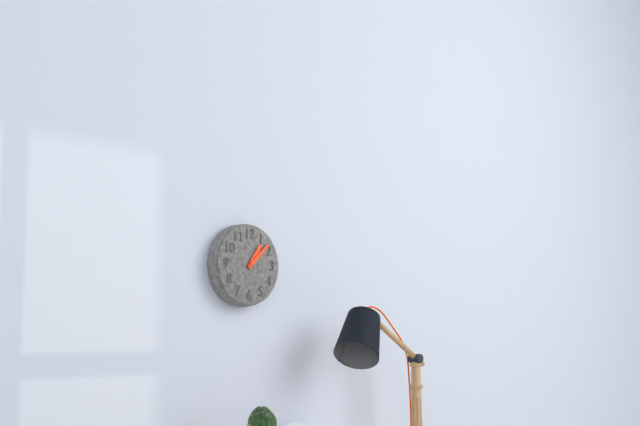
1:08
